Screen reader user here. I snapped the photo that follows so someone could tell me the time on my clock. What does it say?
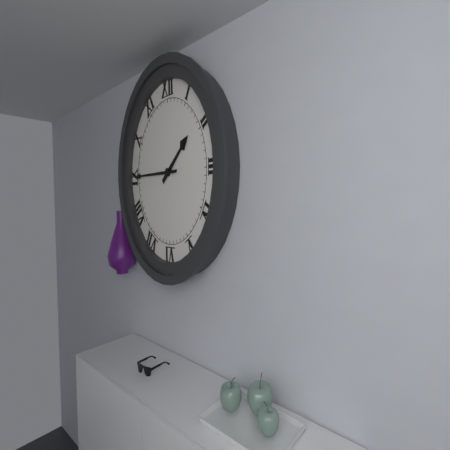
1:45
